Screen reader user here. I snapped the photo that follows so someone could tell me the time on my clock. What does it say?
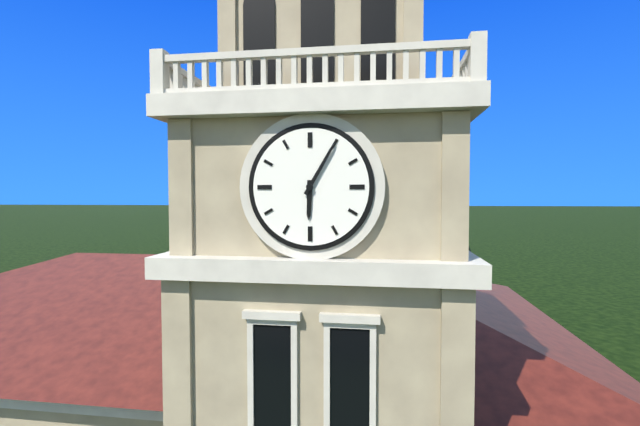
6:05
